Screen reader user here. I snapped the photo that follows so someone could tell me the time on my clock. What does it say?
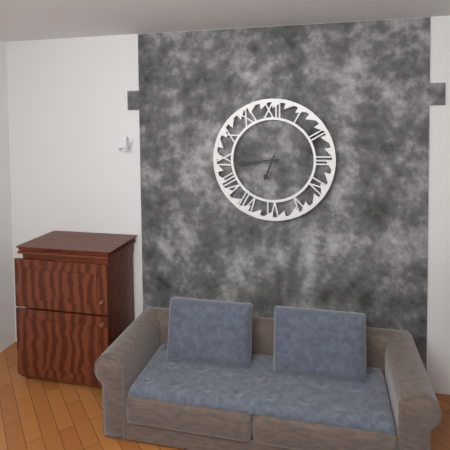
6:44
